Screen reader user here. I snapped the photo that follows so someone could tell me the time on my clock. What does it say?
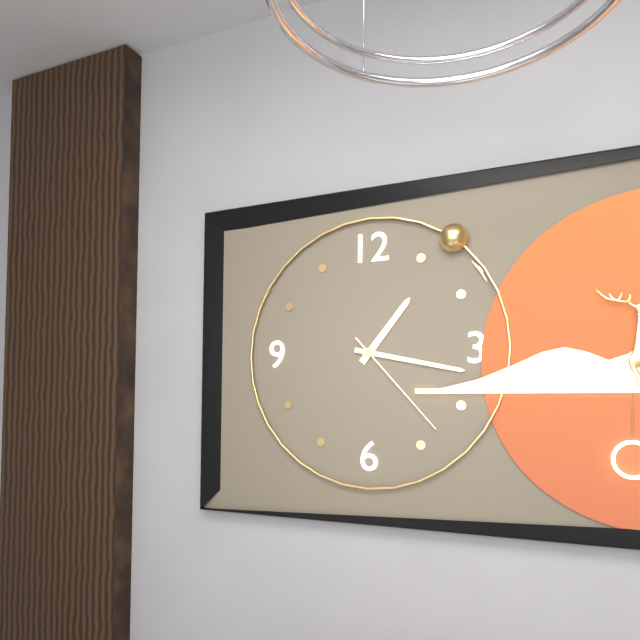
1:17:23
